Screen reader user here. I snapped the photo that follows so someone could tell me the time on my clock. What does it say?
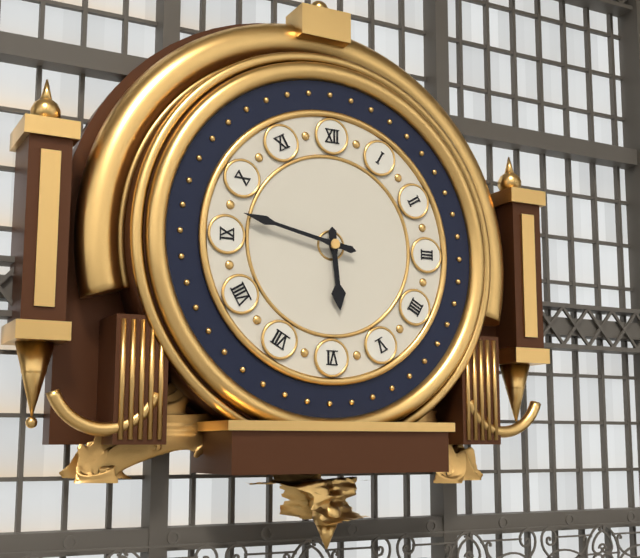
5:47
